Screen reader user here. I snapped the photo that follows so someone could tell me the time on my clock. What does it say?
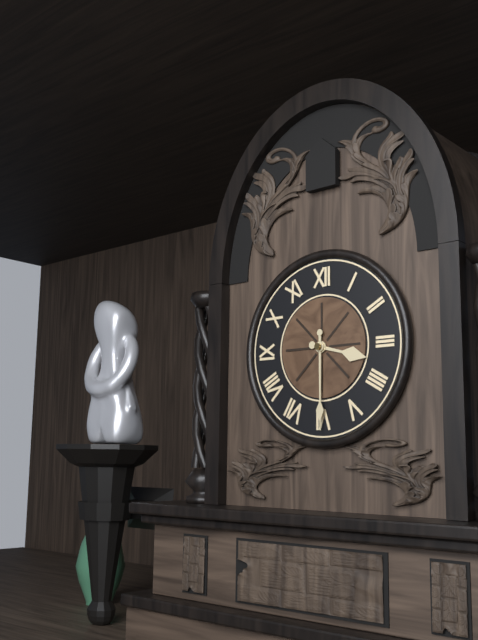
3:30
